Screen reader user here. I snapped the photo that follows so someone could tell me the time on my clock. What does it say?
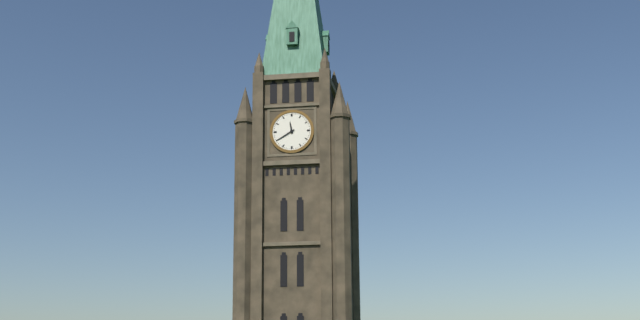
11:40
